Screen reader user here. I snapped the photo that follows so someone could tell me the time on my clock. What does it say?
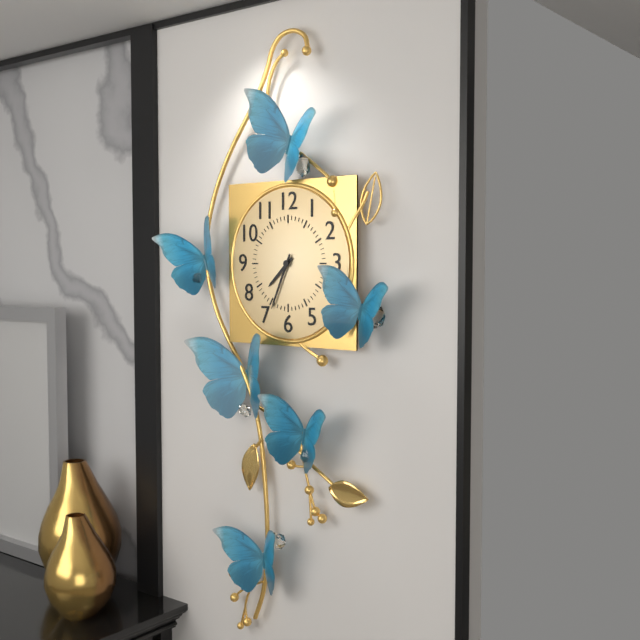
7:34
